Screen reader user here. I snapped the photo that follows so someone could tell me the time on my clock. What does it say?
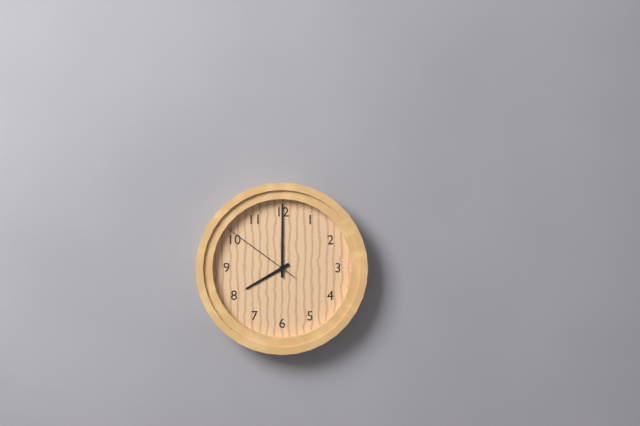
8:00:51
